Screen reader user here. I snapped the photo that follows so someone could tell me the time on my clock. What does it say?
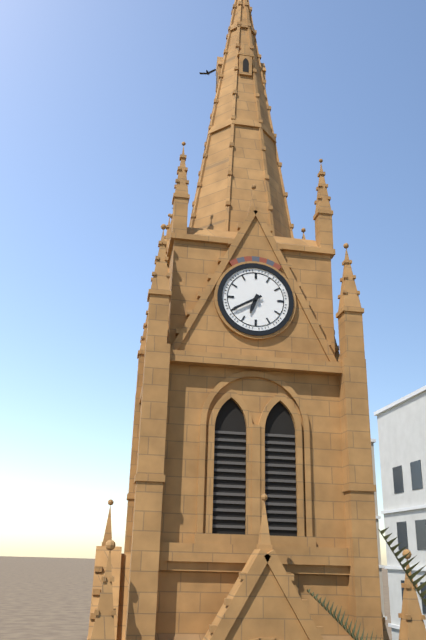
6:40
